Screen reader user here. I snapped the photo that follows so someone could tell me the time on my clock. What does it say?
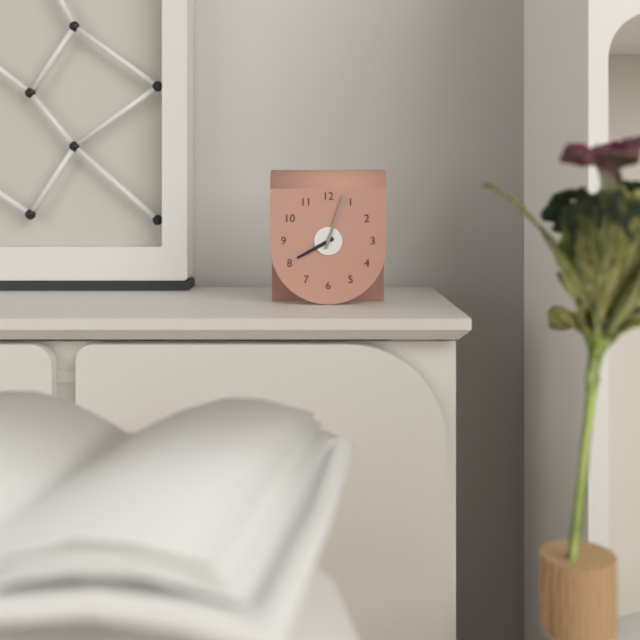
8:03
